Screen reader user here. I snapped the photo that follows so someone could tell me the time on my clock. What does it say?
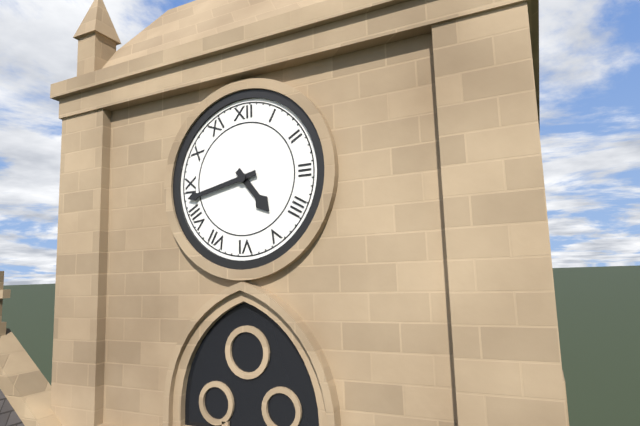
4:43
